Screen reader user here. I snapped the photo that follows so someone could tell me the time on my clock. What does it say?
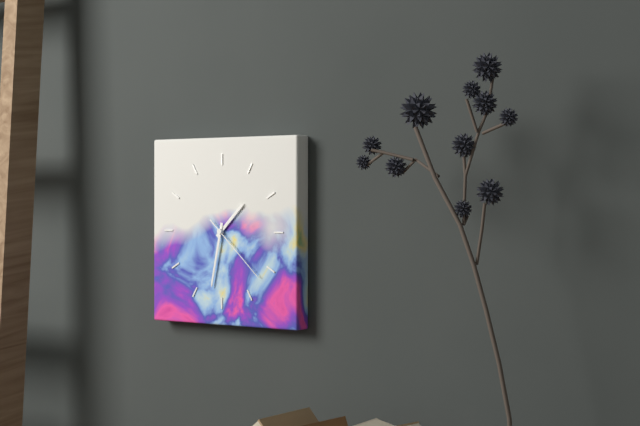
1:32:22
